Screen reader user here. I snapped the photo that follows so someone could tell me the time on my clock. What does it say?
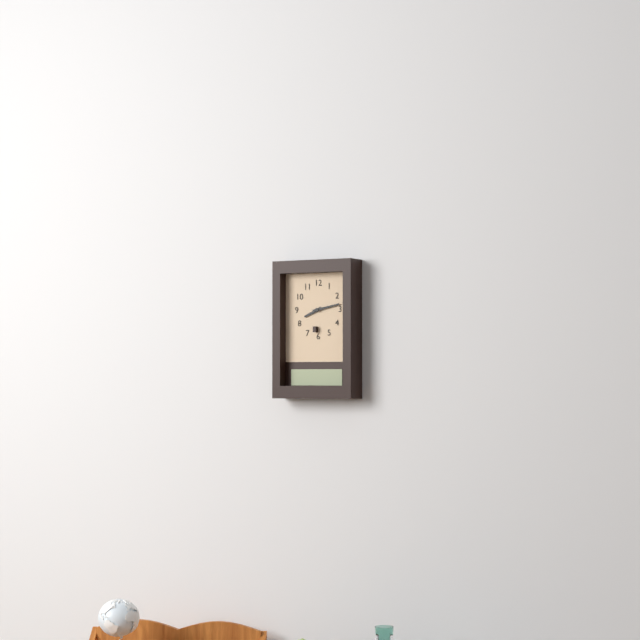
8:13
